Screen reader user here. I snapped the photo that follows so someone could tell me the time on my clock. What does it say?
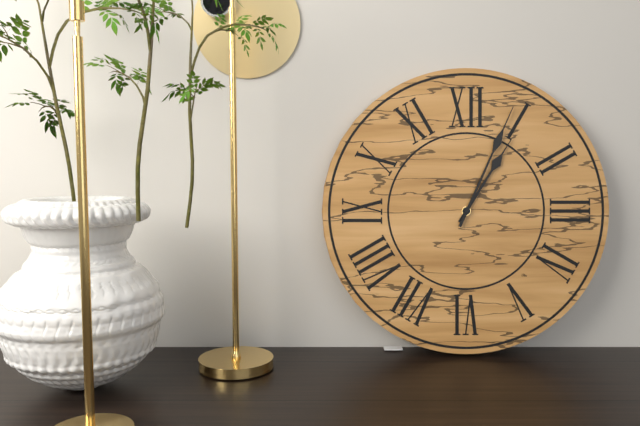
1:04
